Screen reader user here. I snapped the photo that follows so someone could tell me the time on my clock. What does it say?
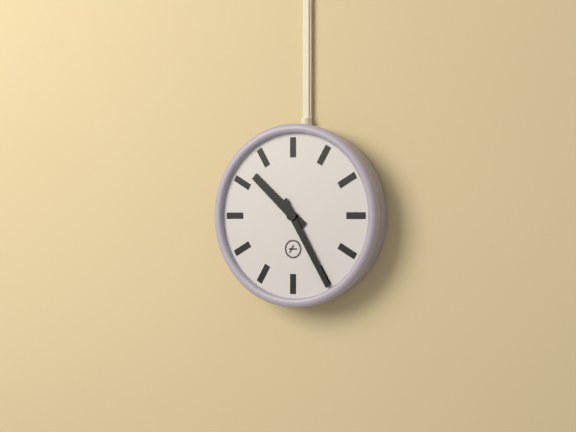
10:25
